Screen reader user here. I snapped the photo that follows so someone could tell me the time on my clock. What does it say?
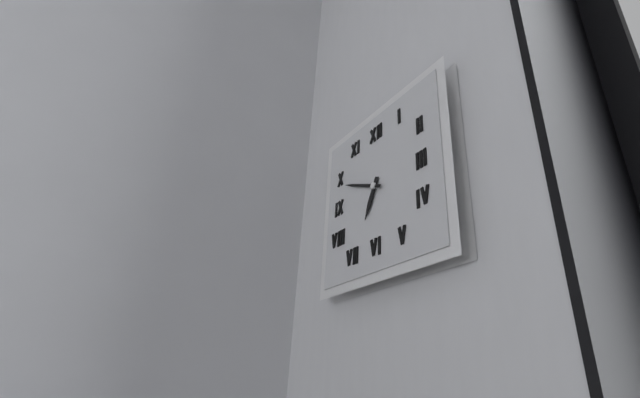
6:49
